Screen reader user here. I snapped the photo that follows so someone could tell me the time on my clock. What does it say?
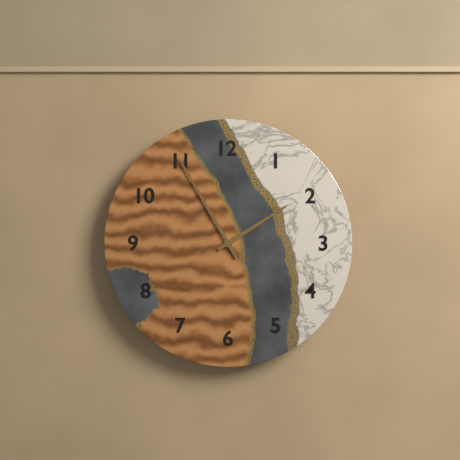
1:55
